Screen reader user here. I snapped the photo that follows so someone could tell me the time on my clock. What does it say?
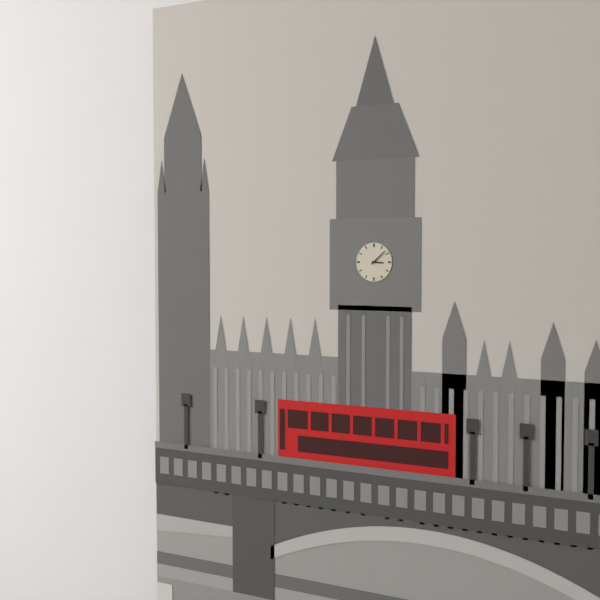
3:08
